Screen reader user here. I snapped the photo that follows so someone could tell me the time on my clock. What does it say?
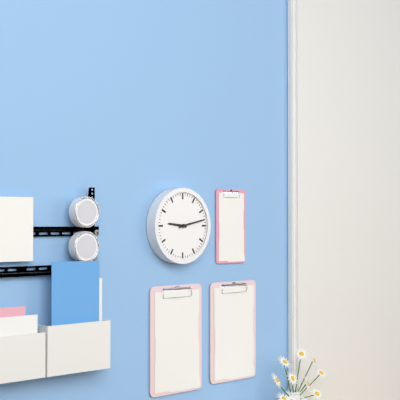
9:13
